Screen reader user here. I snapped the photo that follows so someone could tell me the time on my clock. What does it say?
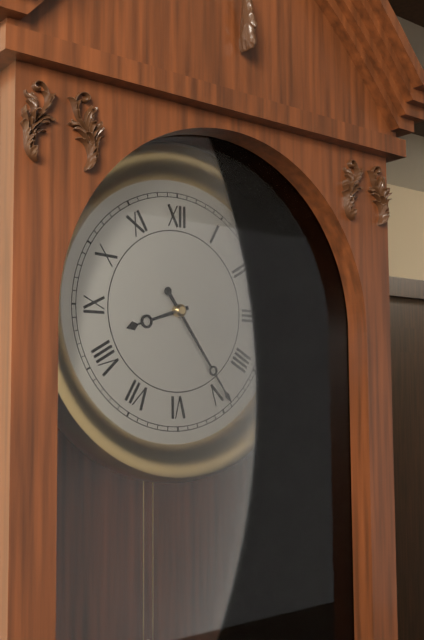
8:24
